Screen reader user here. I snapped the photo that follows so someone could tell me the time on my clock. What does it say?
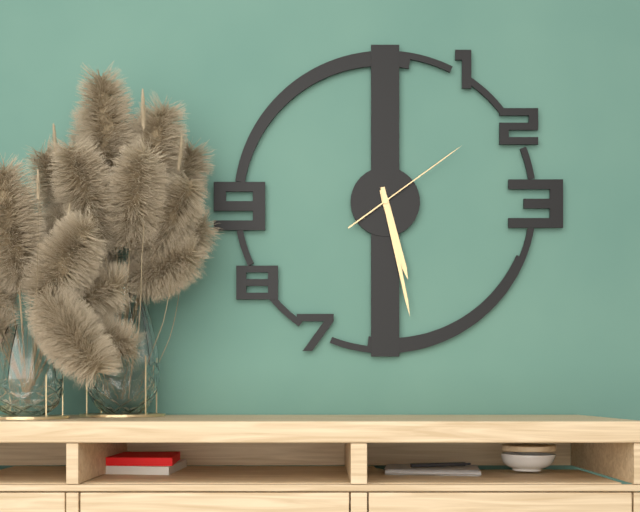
5:28:09
